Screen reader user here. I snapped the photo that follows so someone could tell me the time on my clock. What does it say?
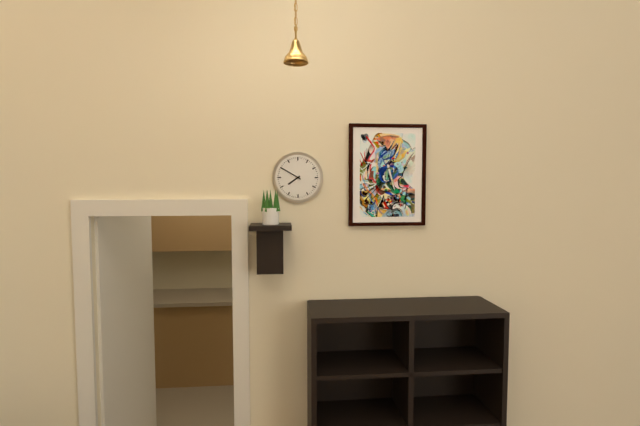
7:50
